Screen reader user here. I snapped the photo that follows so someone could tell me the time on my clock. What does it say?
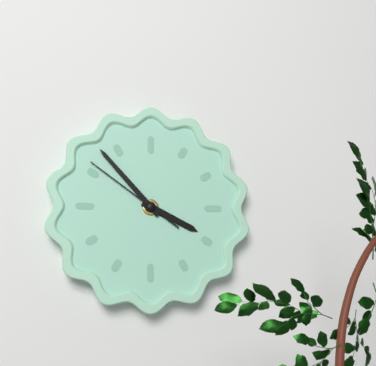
3:53:51
